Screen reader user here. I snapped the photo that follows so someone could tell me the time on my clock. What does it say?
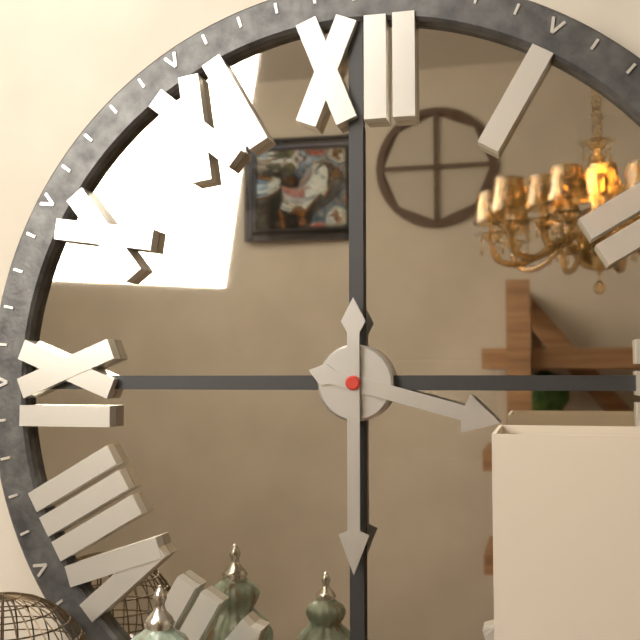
3:30
